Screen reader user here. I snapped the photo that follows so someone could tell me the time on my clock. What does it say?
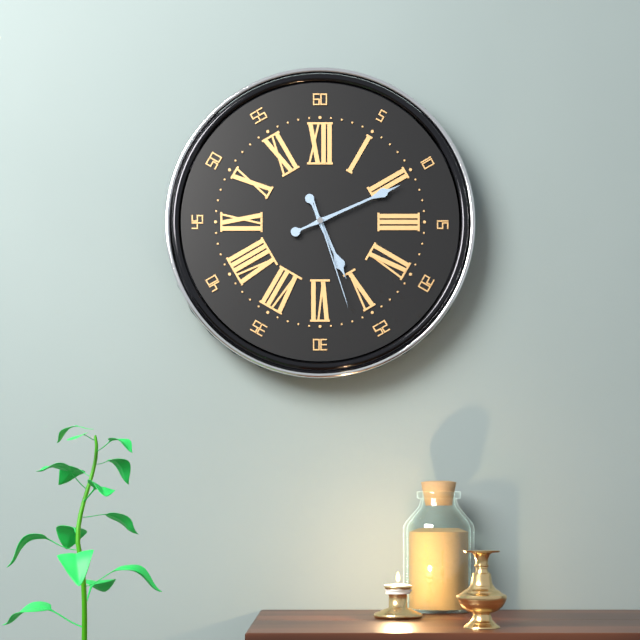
5:11:27
